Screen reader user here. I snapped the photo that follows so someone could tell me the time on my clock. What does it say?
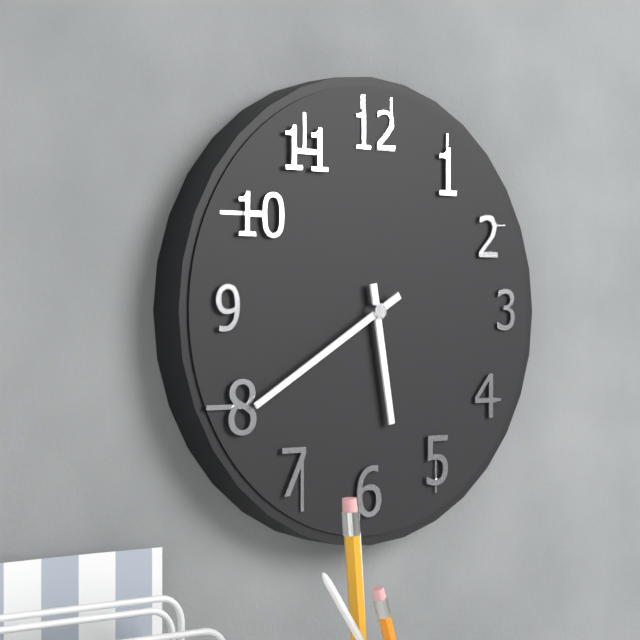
5:40
